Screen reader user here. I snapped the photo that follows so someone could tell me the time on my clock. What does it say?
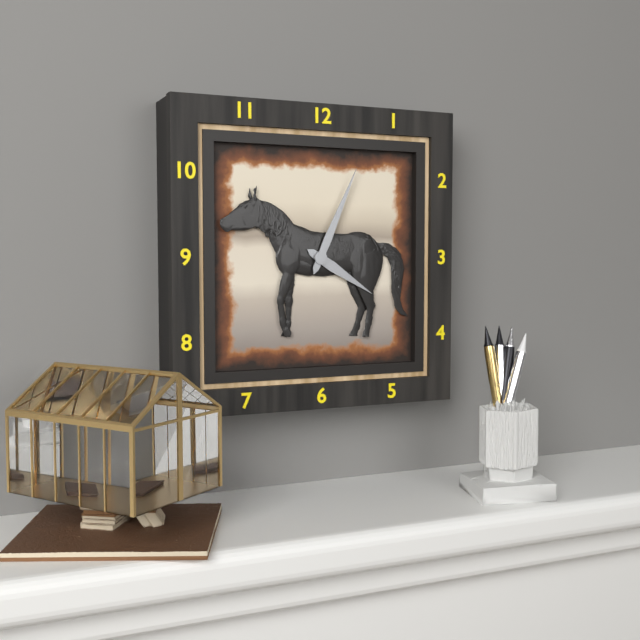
4:04
